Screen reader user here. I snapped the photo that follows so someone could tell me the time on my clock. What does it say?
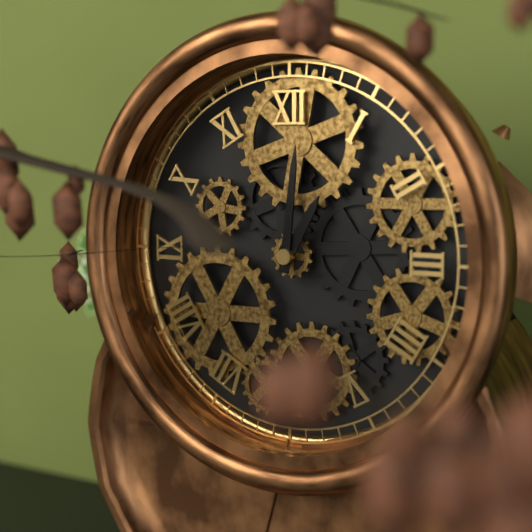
1:01
